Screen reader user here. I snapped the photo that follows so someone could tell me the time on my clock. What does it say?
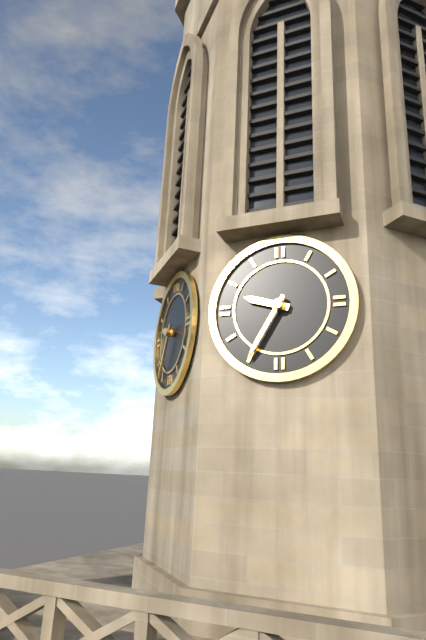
9:35
